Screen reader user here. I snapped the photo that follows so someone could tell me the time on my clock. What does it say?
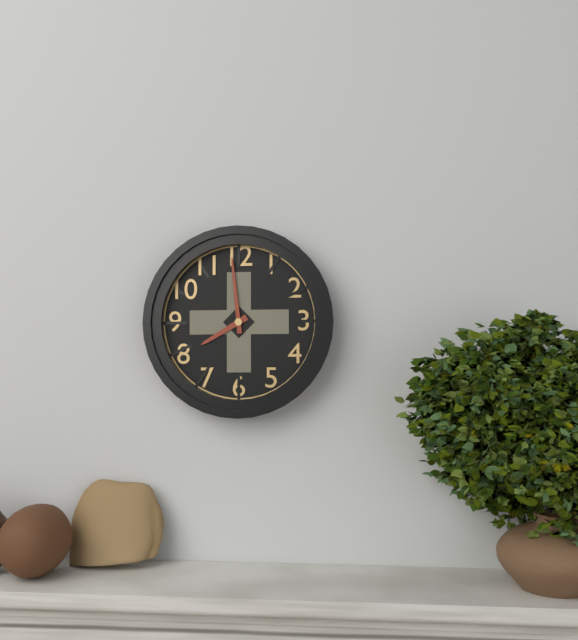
7:59
